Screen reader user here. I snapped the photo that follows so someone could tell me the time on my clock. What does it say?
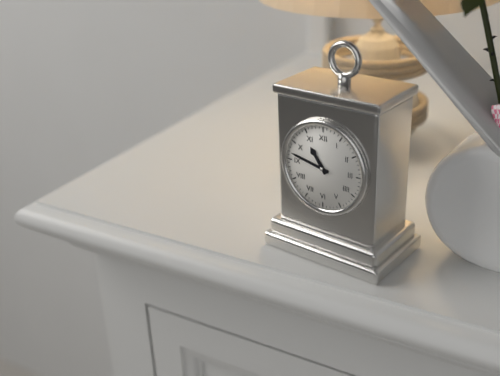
10:47
